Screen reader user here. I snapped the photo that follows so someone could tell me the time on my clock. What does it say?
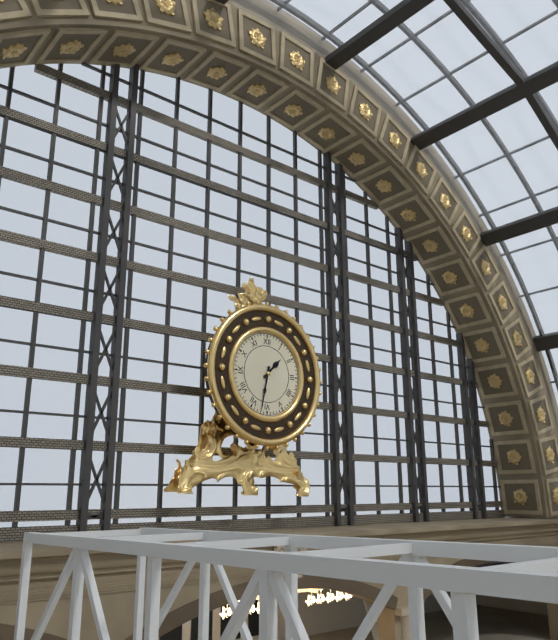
1:32
